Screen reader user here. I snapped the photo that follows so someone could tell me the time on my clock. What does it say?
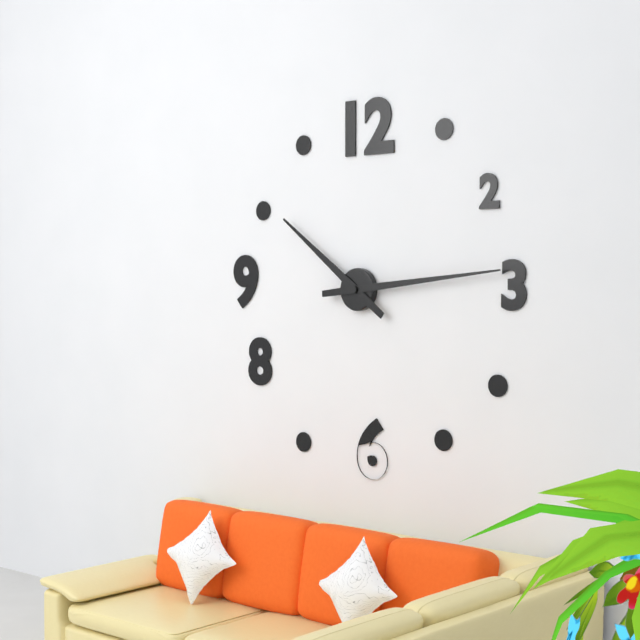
10:14
